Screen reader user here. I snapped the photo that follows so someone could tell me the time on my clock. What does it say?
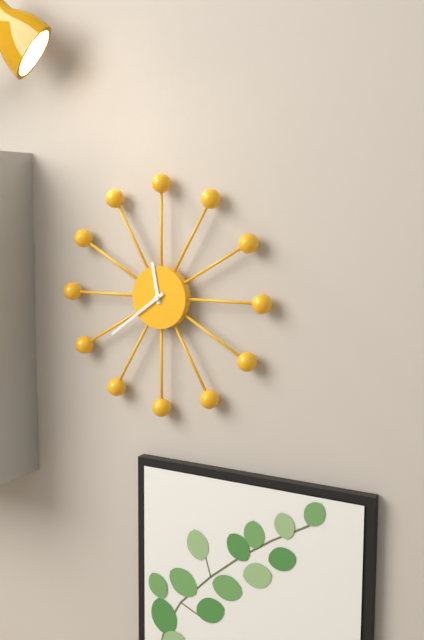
11:39
